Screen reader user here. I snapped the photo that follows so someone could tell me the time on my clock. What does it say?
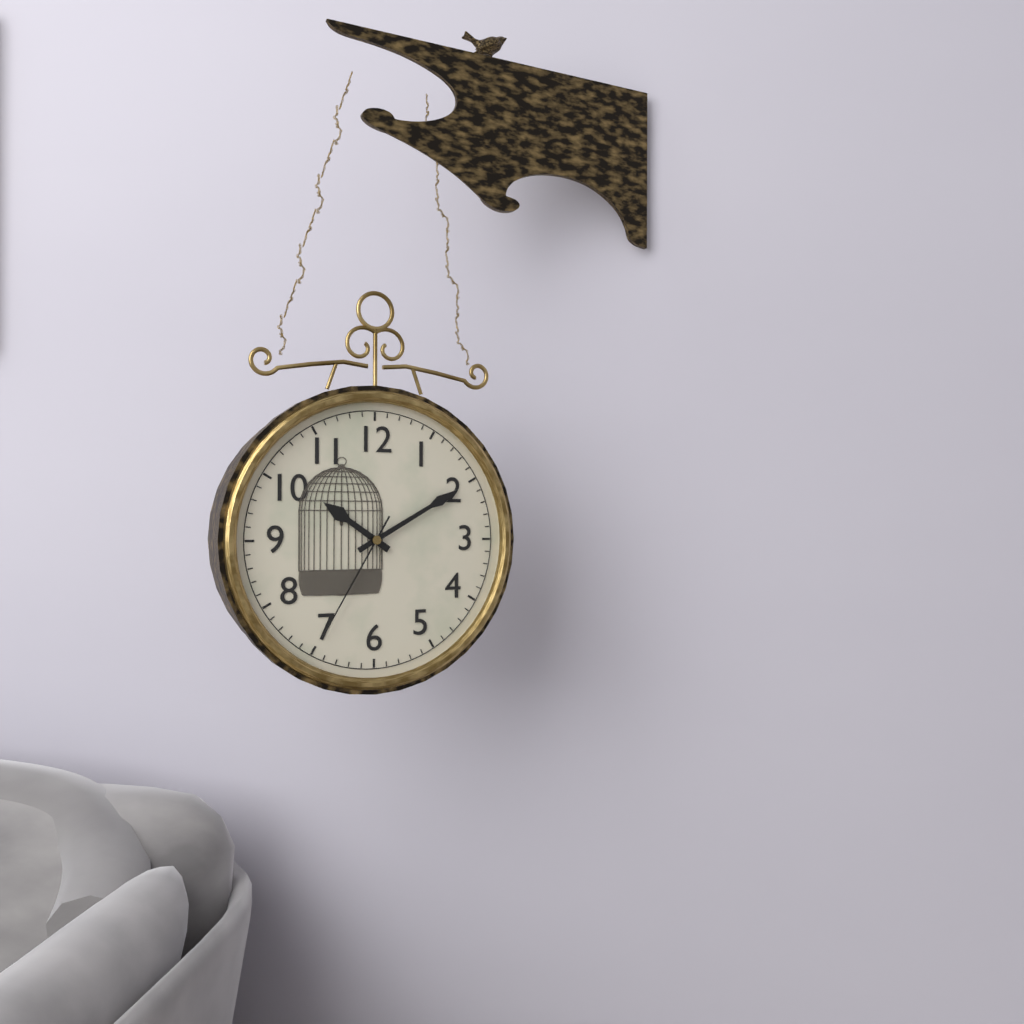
10:10:35
